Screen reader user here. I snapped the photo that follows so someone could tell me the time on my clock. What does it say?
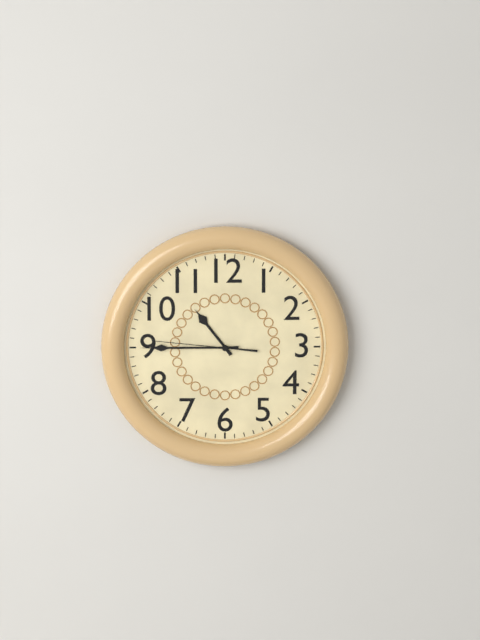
10:45:46
